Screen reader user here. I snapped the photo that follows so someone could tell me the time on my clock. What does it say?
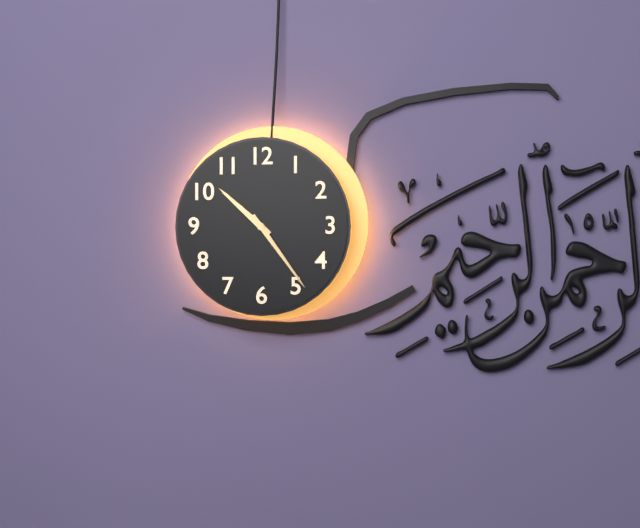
10:24
